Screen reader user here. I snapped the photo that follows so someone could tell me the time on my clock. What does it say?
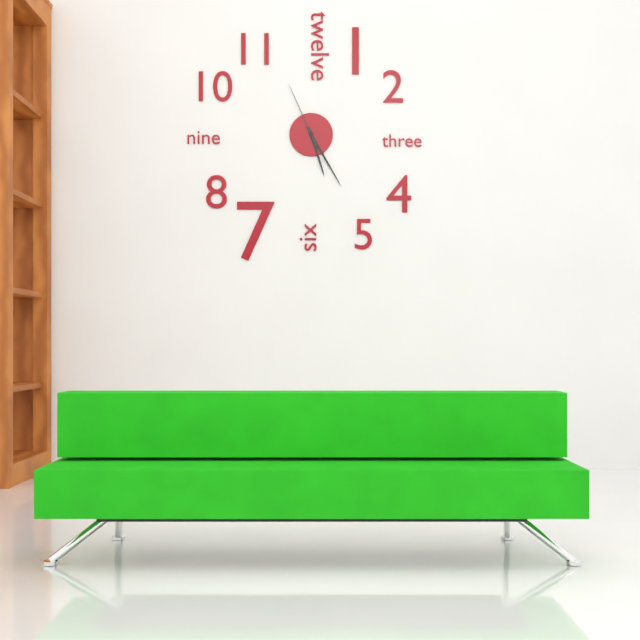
5:25:56
